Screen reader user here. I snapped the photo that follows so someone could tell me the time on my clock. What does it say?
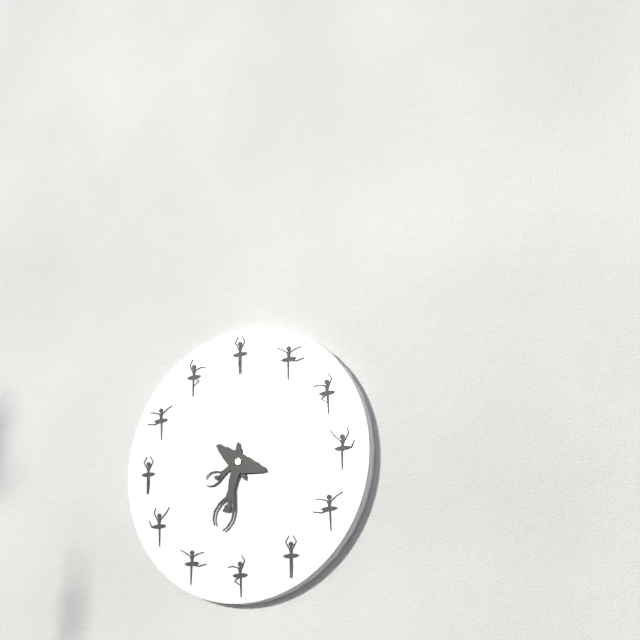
8:35
